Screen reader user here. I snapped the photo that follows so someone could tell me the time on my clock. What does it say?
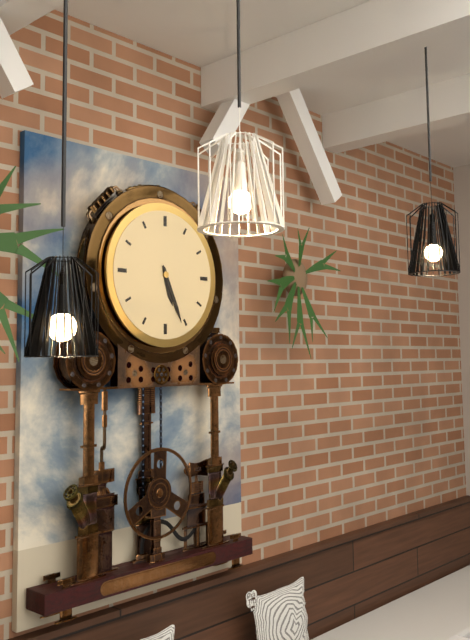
5:26
